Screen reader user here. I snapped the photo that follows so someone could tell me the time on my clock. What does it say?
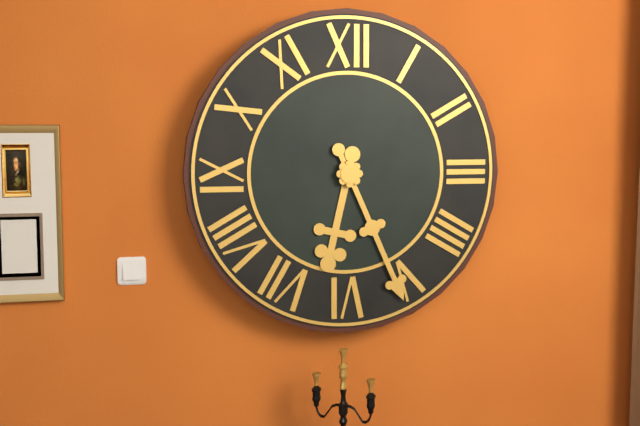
6:26
